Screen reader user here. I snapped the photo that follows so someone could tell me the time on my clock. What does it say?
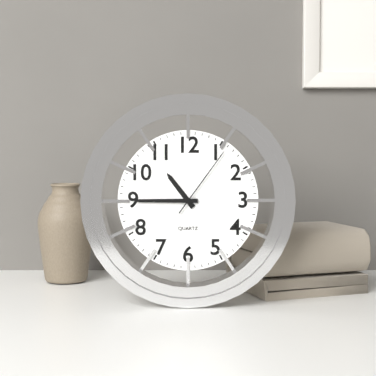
10:45:06
